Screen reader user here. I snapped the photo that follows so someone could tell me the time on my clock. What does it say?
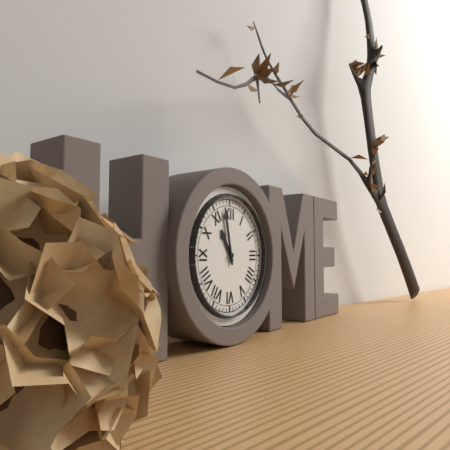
10:58
